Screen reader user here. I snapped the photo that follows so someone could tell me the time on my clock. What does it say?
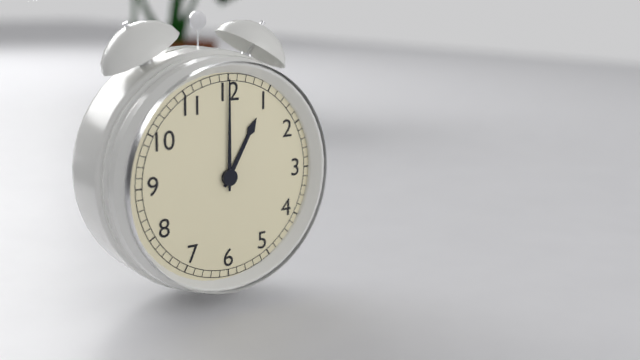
1:00
